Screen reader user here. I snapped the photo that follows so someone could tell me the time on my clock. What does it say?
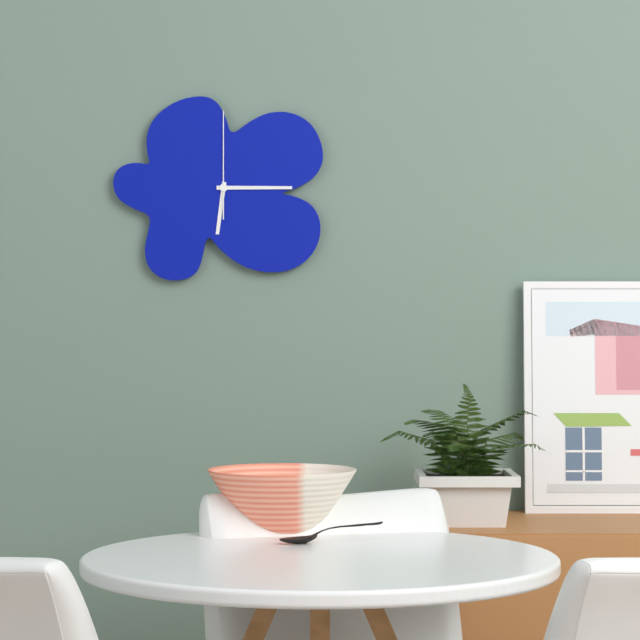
6:15:00
